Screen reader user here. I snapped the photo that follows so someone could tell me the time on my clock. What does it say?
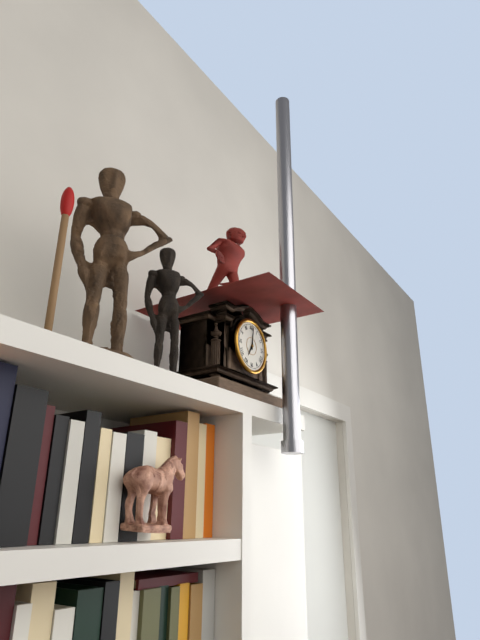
7:01
